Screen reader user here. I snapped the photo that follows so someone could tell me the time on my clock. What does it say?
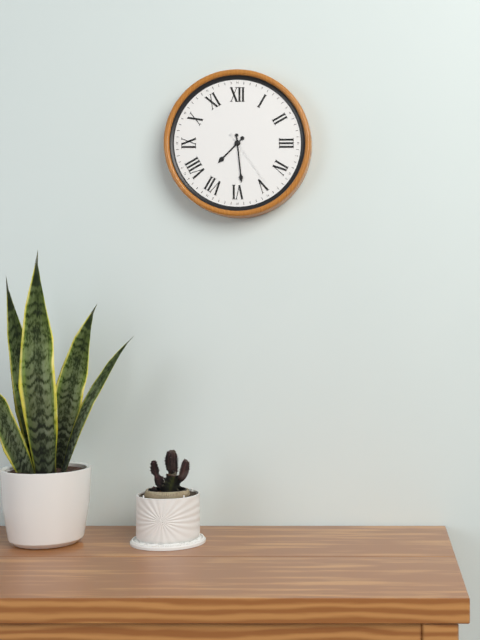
7:29:24
